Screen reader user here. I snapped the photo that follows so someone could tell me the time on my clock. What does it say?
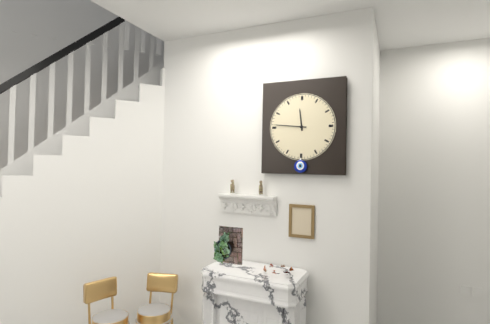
11:46
